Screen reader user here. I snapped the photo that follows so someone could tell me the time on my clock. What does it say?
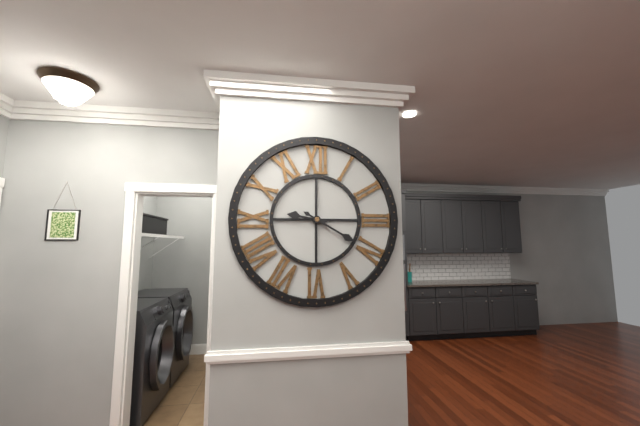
9:20
